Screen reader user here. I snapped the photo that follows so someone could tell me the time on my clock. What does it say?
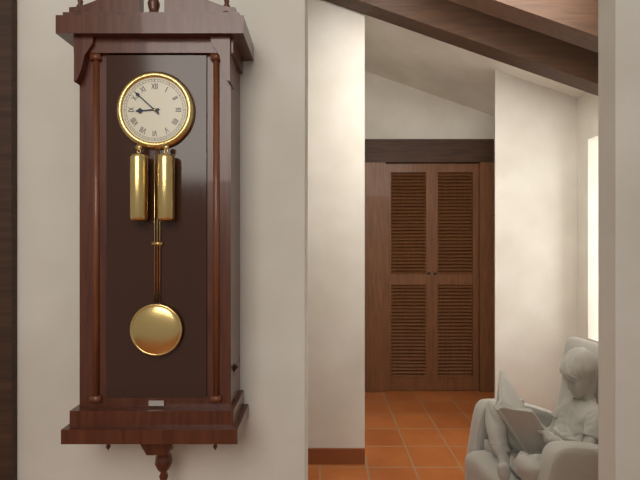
8:52
